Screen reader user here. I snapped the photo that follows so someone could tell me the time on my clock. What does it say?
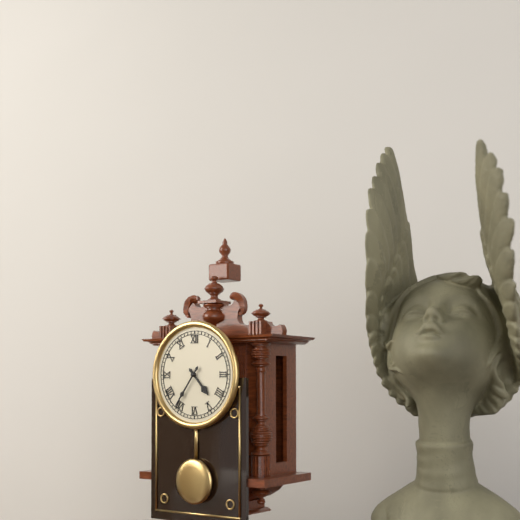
4:36
